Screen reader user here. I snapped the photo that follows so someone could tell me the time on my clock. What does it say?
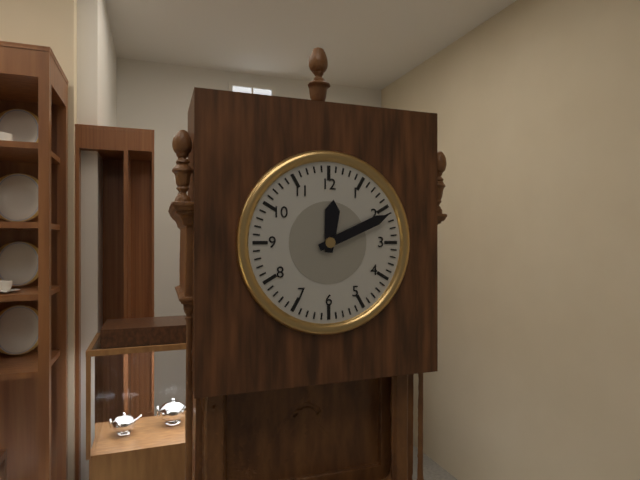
12:11
